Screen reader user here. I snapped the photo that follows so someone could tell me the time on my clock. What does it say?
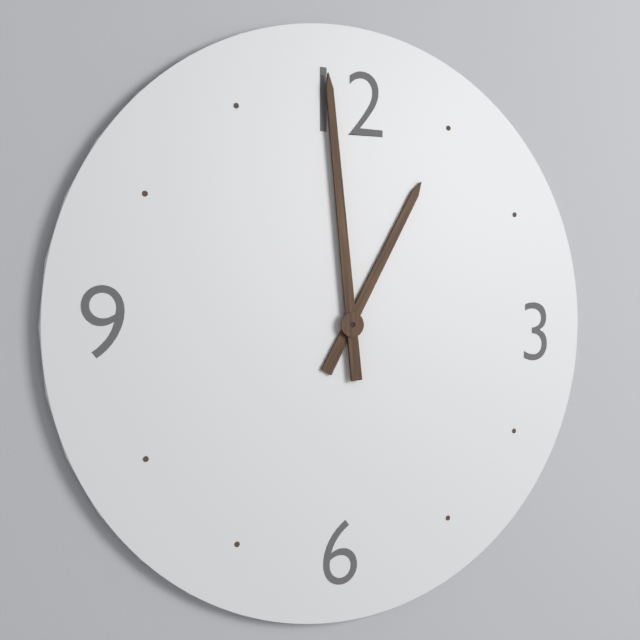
12:59
